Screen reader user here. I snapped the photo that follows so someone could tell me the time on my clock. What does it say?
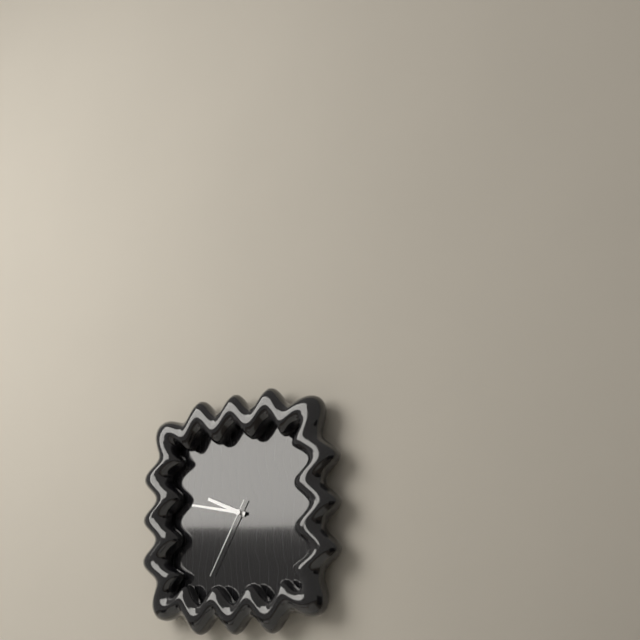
9:47:35
